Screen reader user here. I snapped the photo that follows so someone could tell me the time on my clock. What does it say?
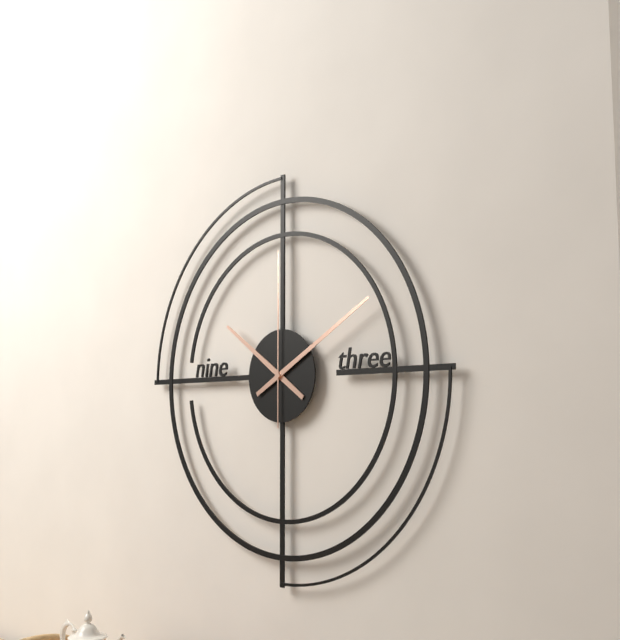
10:10:00
